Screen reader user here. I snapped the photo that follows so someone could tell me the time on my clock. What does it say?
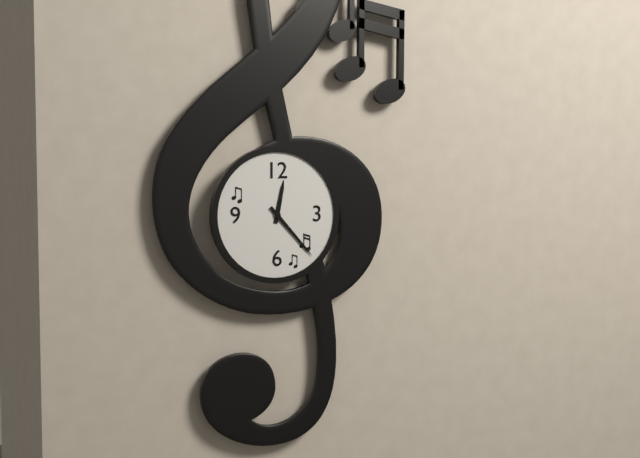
12:23
